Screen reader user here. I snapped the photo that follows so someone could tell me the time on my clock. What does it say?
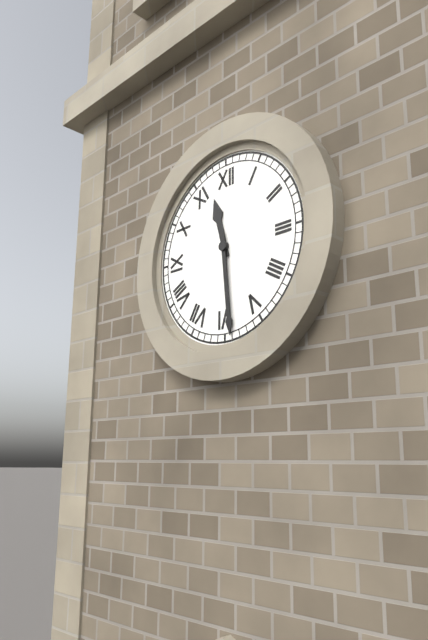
11:29
